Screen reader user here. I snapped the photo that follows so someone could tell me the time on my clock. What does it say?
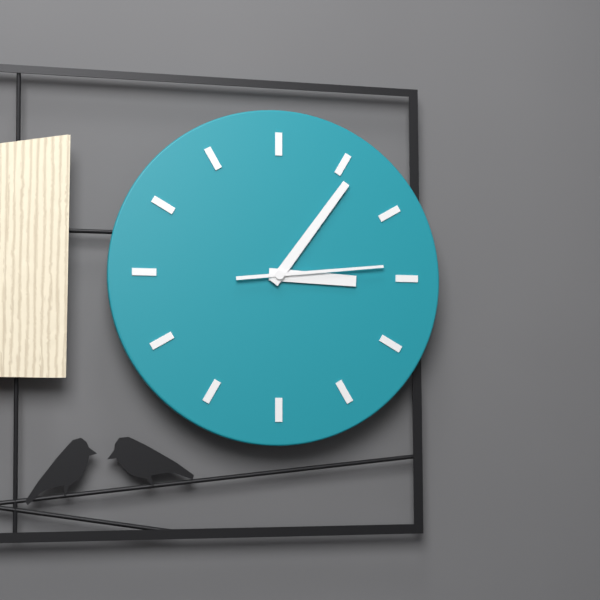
3:06:14
